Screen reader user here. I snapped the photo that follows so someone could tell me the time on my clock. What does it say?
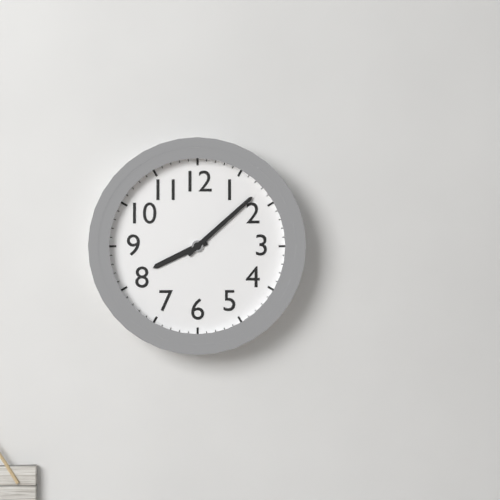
8:08
